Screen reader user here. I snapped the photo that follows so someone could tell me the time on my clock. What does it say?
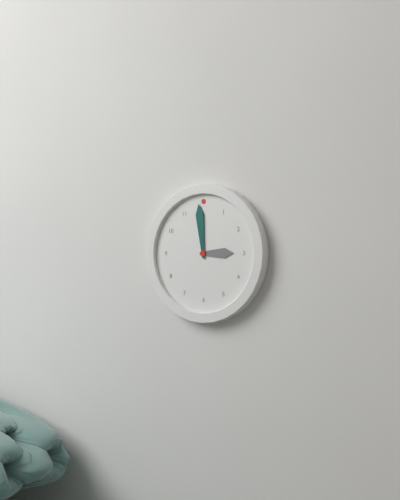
2:59
